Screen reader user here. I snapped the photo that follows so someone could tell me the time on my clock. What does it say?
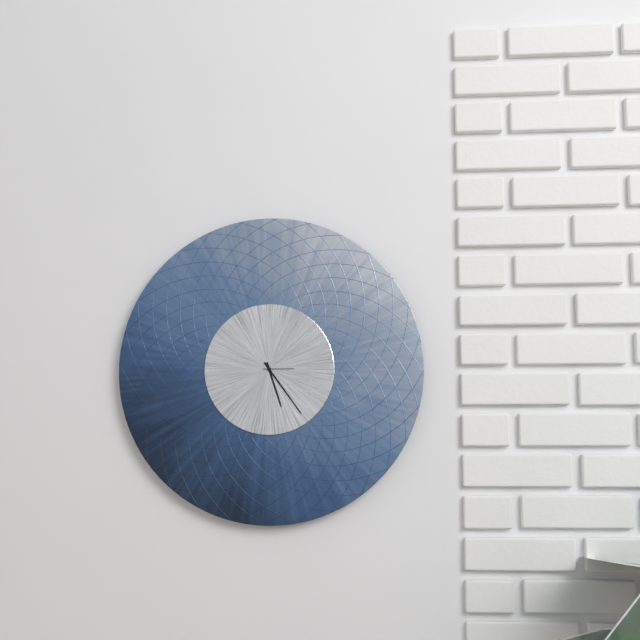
5:24
